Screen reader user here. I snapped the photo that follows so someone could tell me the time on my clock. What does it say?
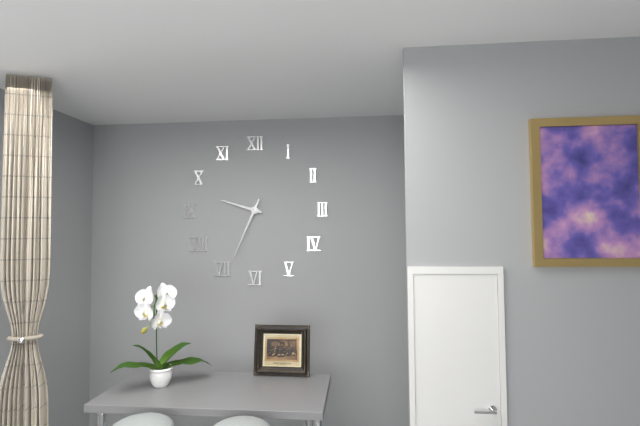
9:34
